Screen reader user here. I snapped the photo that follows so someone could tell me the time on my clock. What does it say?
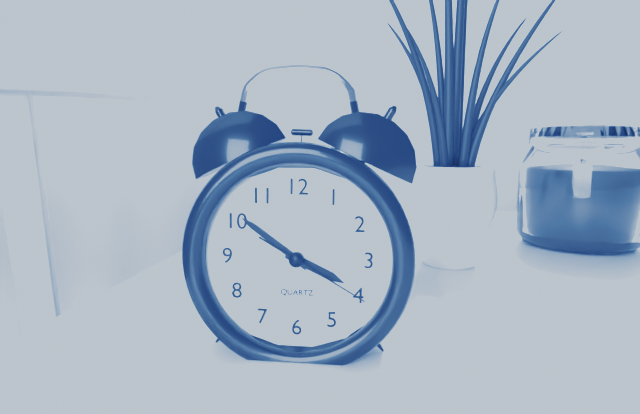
3:51:20
